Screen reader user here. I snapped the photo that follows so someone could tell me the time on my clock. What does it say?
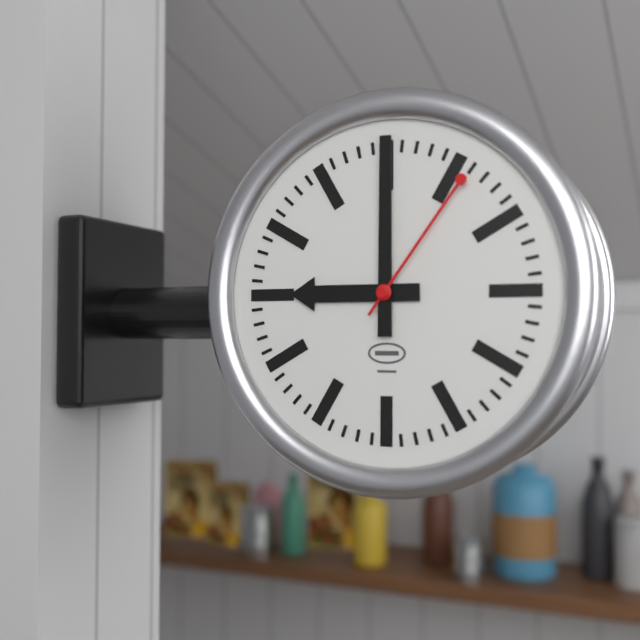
9:00:06
